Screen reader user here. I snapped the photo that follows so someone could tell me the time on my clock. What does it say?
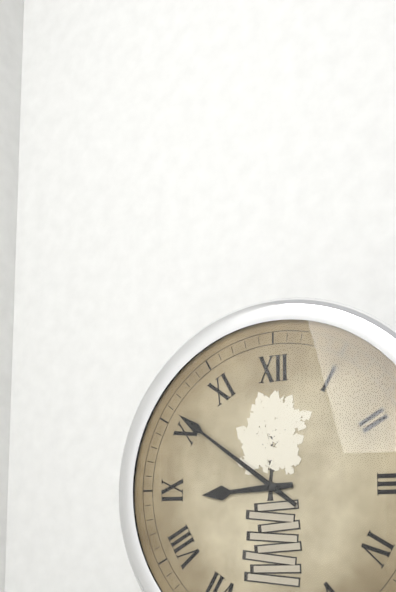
8:51
